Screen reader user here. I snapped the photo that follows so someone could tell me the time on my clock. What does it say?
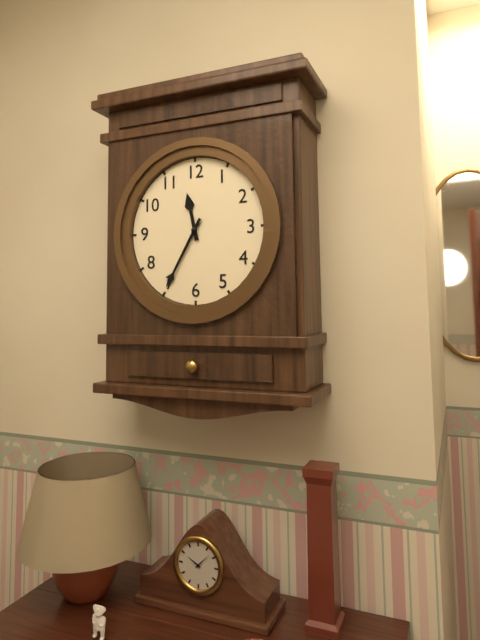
11:35
